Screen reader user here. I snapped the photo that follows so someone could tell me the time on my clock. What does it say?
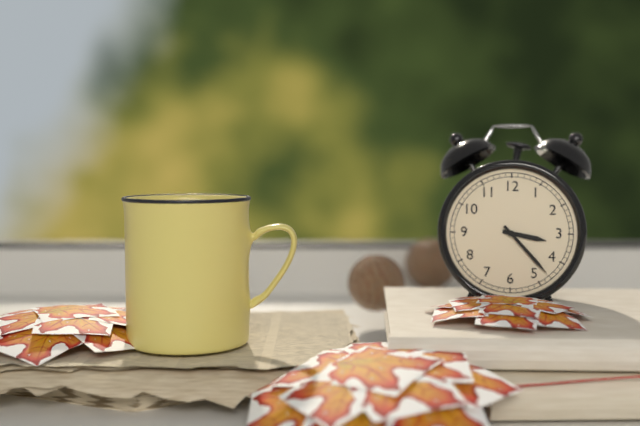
3:23
